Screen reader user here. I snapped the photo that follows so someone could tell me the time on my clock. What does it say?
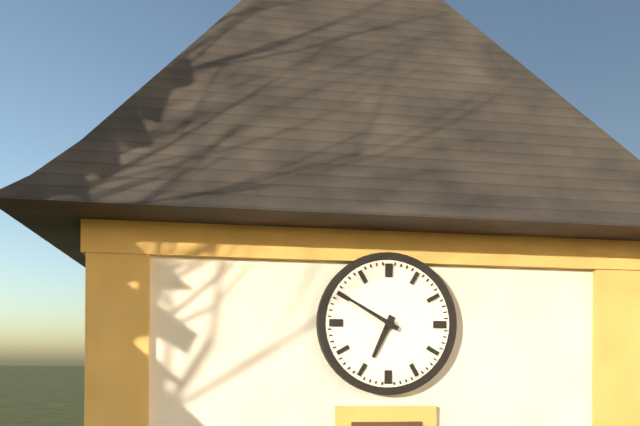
6:50
